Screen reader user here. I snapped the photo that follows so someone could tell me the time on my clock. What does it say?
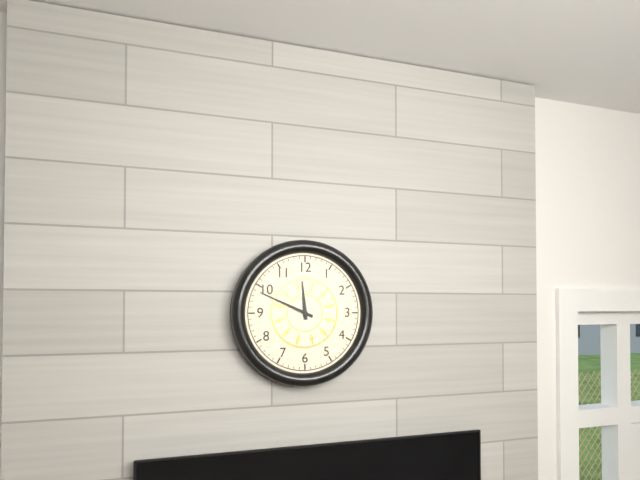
11:49
